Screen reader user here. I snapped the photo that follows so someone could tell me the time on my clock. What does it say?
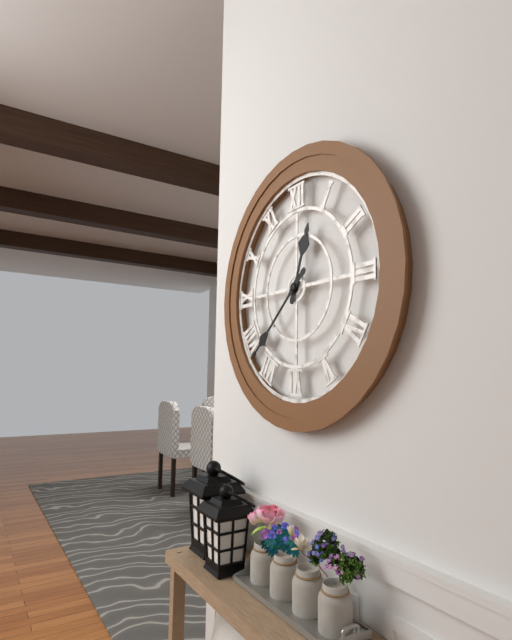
12:38
